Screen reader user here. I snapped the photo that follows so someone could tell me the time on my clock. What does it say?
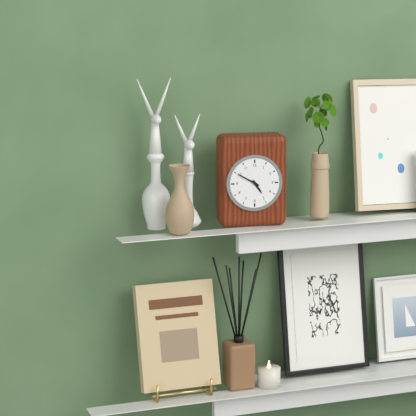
4:50
